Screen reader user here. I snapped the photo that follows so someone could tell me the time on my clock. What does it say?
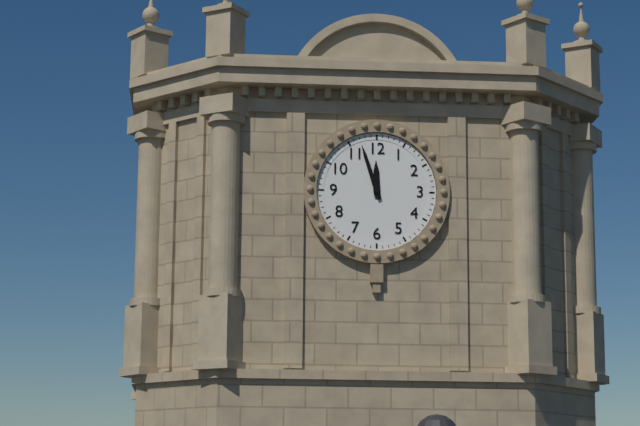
11:57
